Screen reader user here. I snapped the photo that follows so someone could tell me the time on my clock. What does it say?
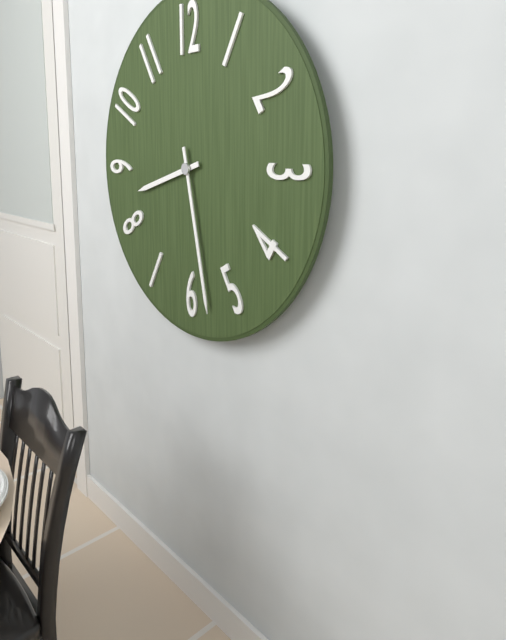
8:28
